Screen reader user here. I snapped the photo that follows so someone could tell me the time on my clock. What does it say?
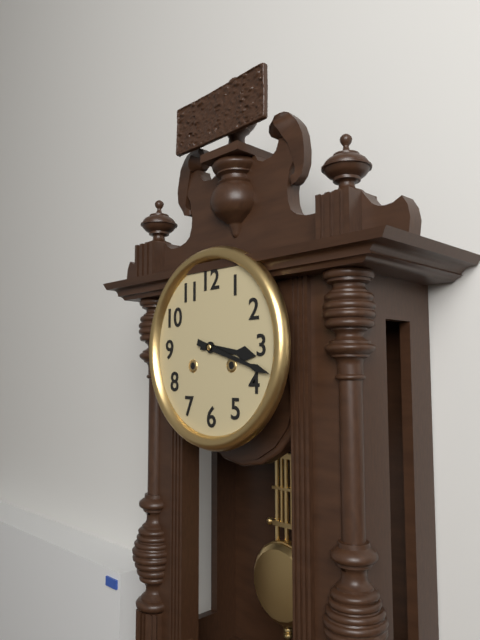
3:18
